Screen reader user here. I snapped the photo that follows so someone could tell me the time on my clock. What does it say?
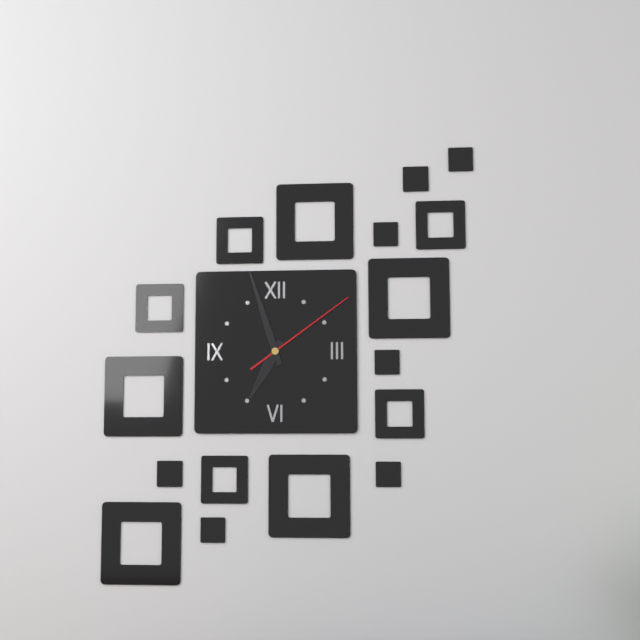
6:57:09
